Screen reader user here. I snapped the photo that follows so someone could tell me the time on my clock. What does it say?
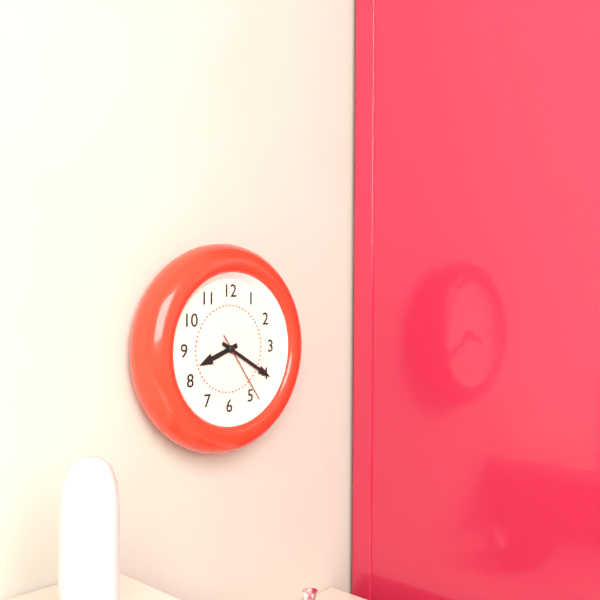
8:20:24
